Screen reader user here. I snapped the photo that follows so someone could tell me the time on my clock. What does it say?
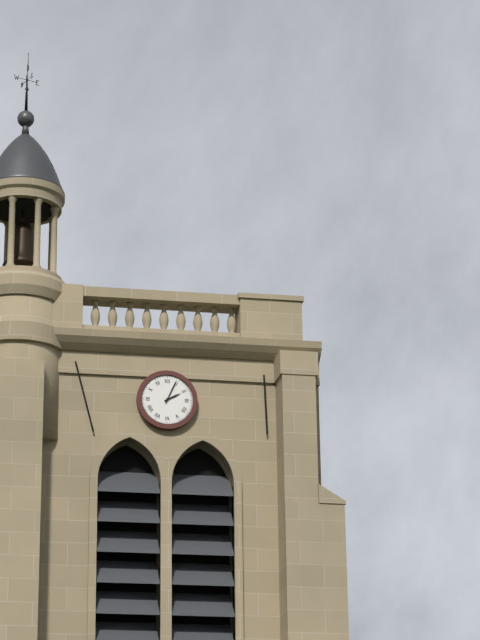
2:04
